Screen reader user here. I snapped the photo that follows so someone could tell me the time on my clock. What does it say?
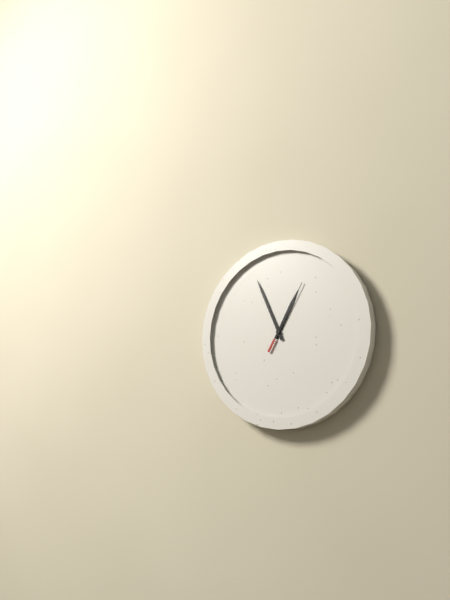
12:56:05
